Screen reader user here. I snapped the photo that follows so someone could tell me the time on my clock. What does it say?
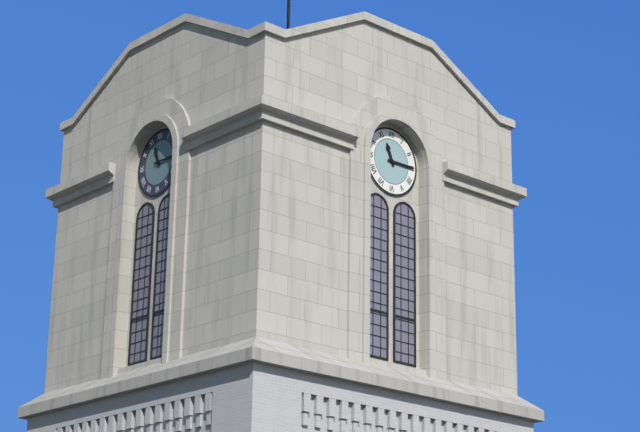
11:15
